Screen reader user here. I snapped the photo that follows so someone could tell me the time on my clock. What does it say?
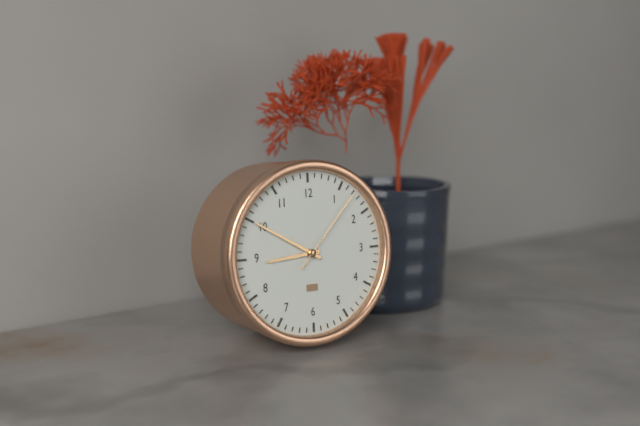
8:50:07
